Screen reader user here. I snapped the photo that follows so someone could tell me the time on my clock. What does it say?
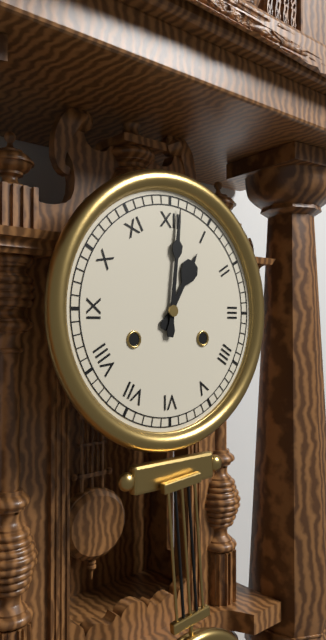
1:01
